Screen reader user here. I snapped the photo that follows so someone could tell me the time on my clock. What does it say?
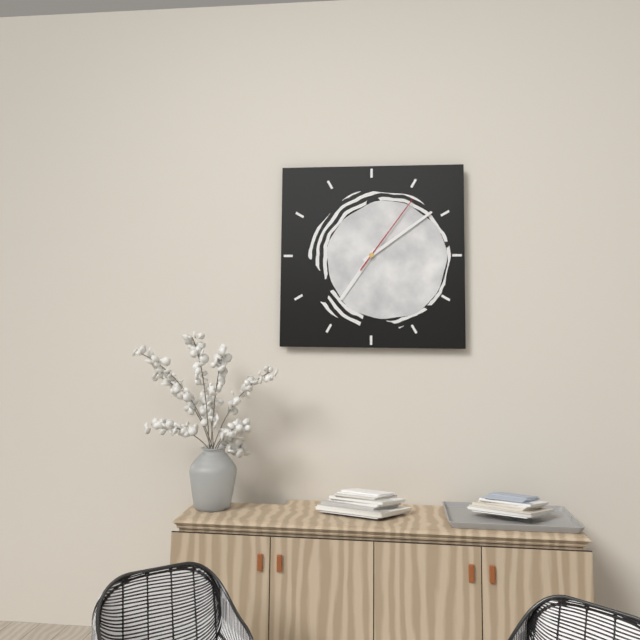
7:09:06
